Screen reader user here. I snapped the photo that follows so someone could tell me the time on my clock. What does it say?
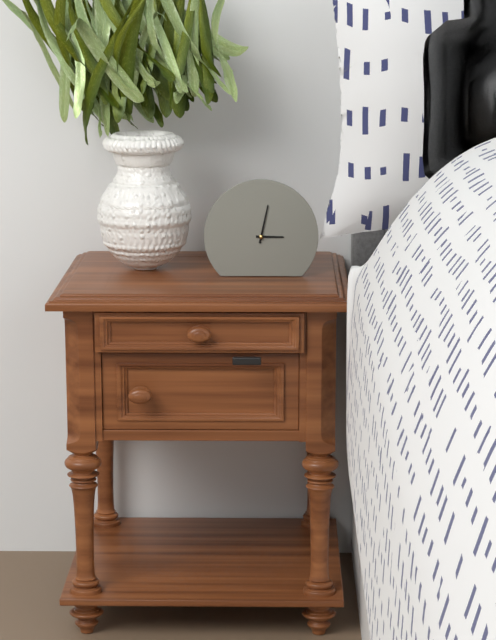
3:02
